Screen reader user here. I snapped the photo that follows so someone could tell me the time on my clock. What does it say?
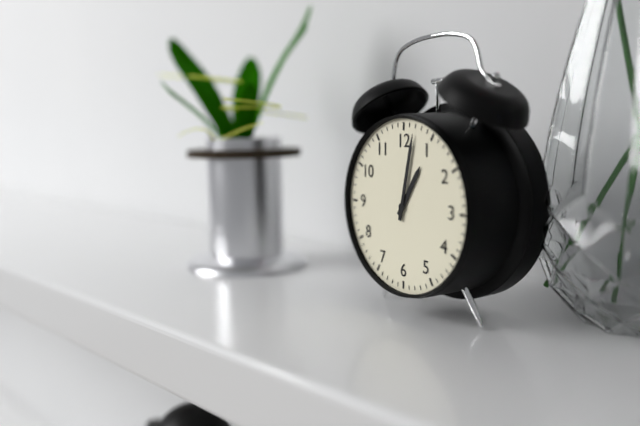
1:02
